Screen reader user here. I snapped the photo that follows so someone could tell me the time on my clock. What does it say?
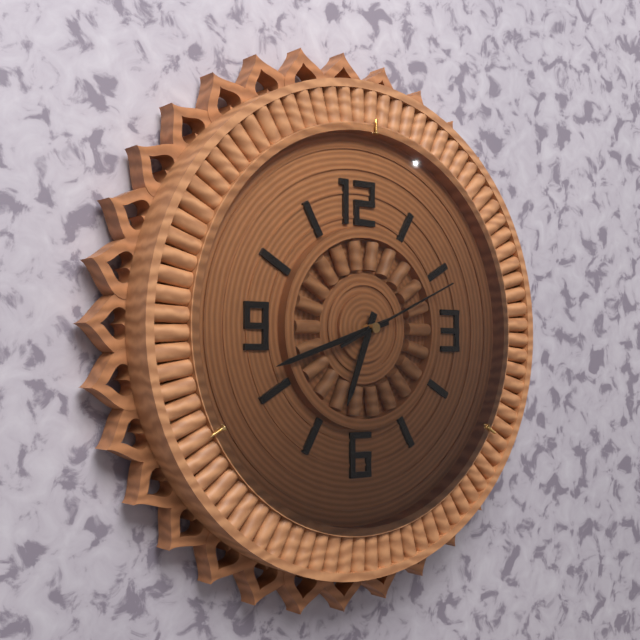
6:42:11
